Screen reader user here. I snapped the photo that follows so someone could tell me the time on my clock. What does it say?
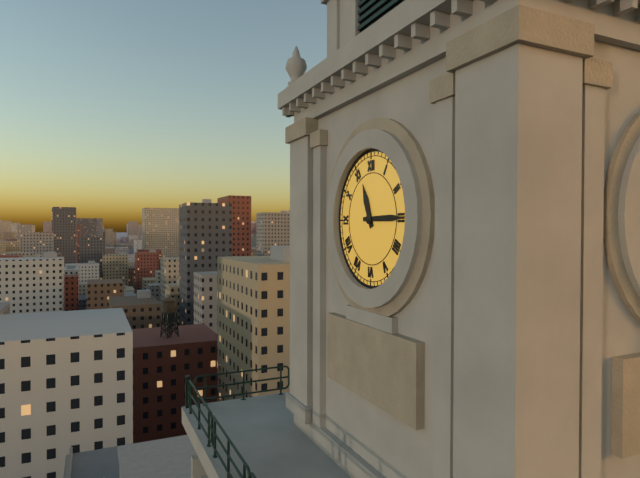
11:15
